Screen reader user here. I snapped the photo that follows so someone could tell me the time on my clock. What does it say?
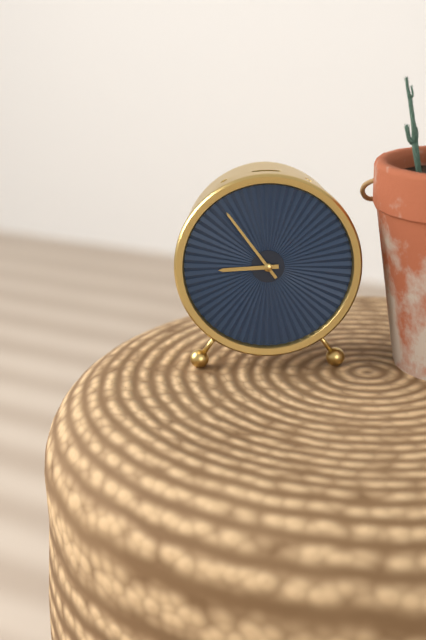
8:54
